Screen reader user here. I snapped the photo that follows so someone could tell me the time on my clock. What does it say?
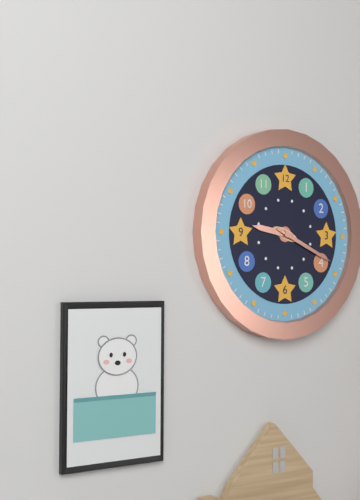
9:19
